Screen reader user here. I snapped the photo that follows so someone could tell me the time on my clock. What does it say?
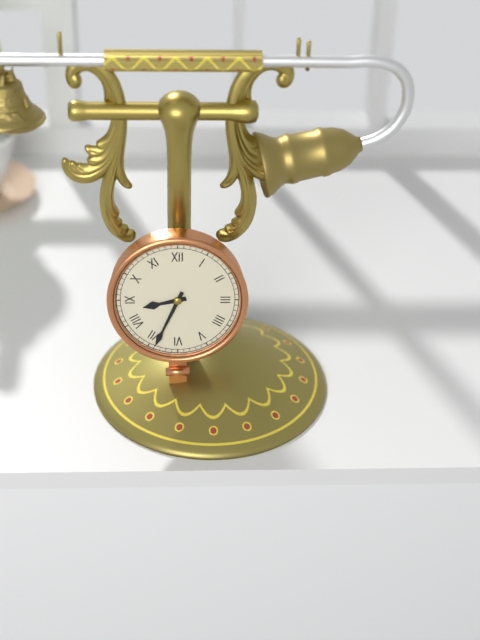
8:34
